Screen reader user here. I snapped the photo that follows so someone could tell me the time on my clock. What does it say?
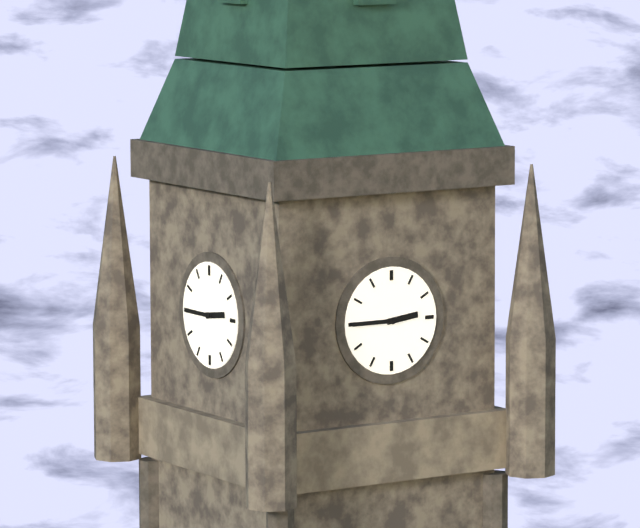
2:45
